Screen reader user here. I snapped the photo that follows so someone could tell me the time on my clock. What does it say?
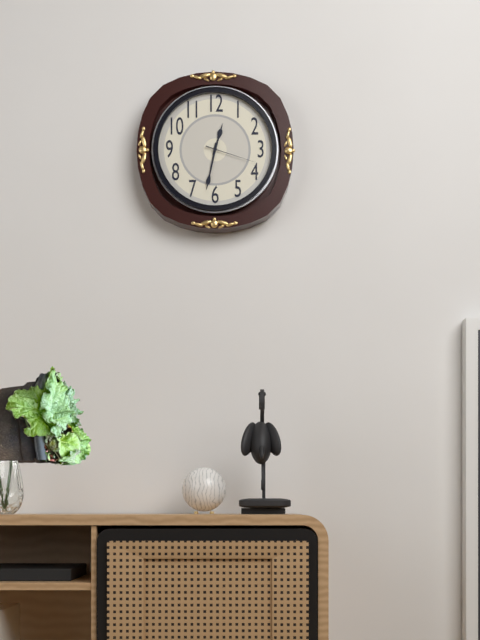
12:32:18
